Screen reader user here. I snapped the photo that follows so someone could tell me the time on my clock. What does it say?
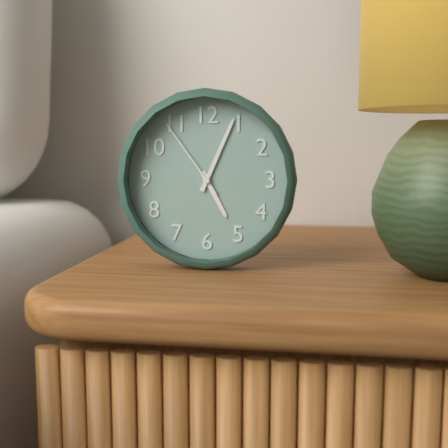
5:04:54
